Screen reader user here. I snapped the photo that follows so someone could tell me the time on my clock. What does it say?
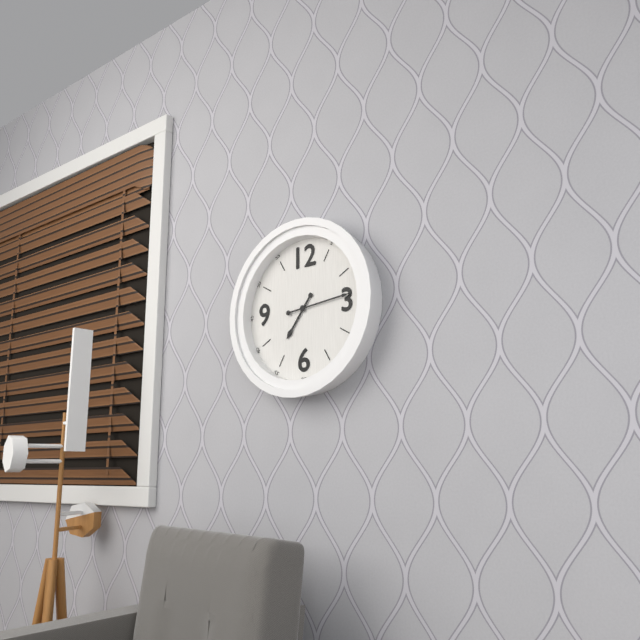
7:14
